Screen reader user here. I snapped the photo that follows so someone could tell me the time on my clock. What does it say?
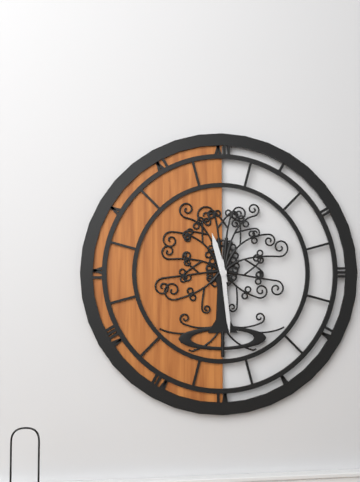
11:29
